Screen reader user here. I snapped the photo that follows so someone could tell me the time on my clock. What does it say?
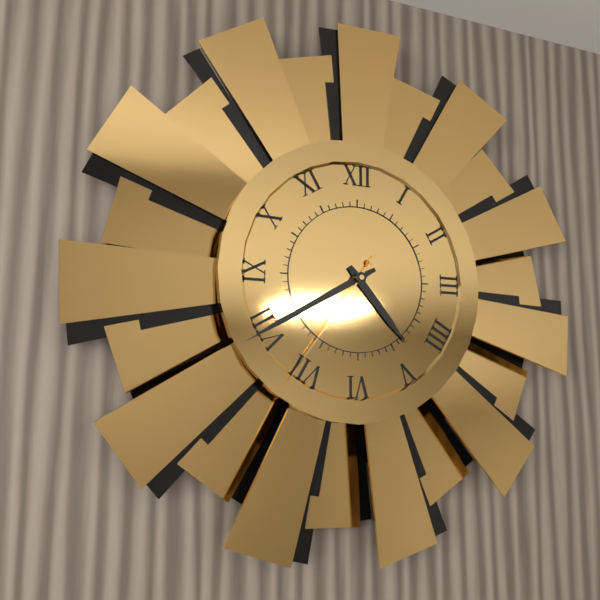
4:40:36
